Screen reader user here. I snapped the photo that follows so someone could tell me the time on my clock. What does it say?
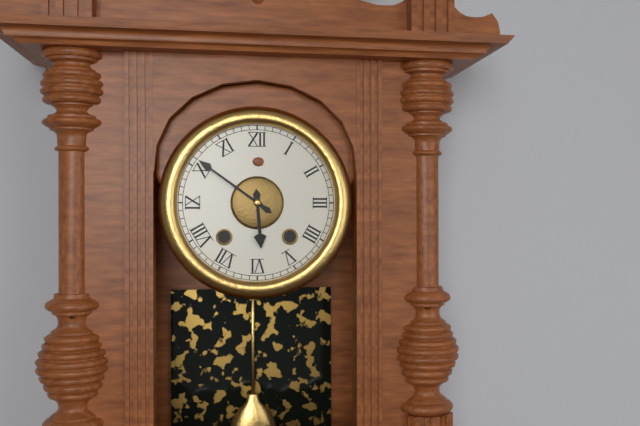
5:51
